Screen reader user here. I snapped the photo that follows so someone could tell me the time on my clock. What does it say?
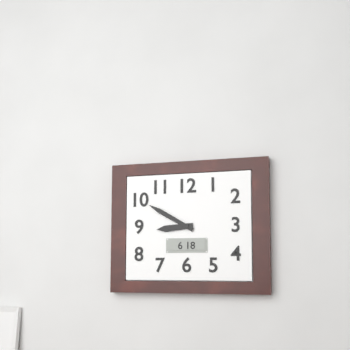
8:50
